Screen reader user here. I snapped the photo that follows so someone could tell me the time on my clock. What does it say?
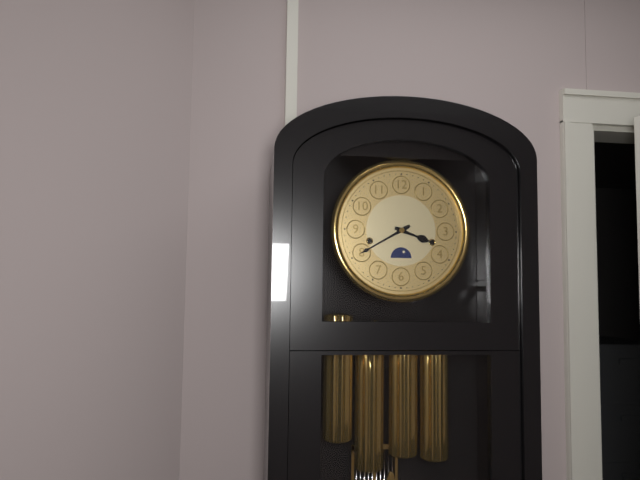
3:40
